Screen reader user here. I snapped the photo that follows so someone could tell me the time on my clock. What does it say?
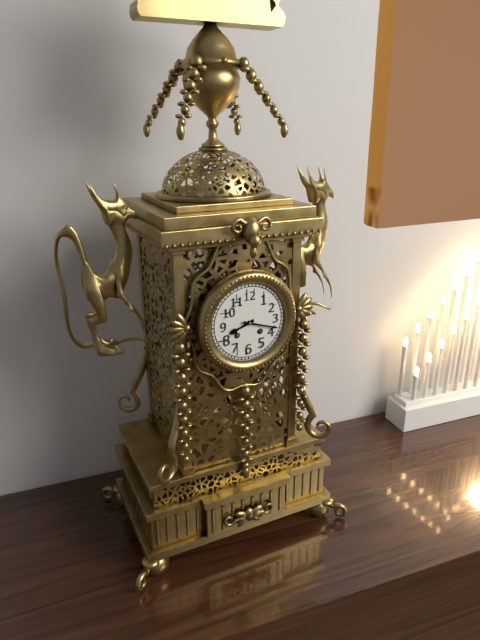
8:18
